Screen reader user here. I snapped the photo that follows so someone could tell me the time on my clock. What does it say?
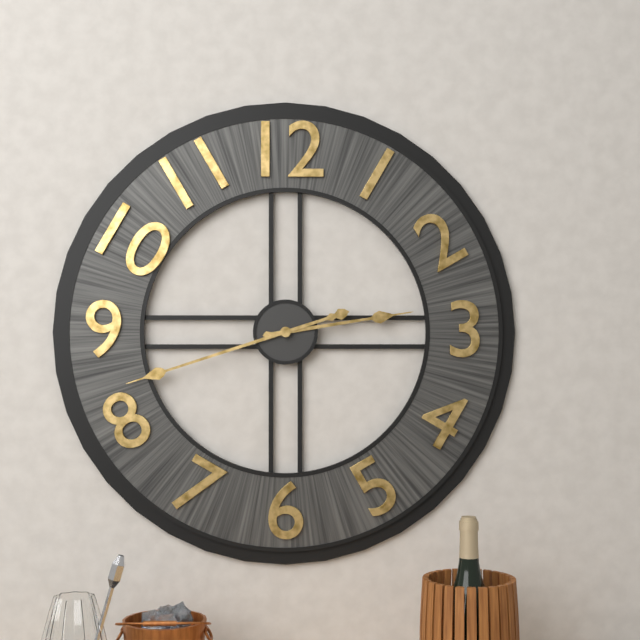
2:42
